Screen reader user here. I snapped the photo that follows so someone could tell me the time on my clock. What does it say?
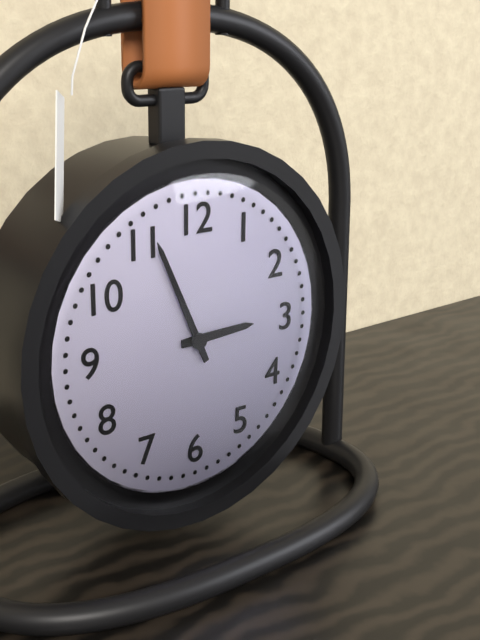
2:56
